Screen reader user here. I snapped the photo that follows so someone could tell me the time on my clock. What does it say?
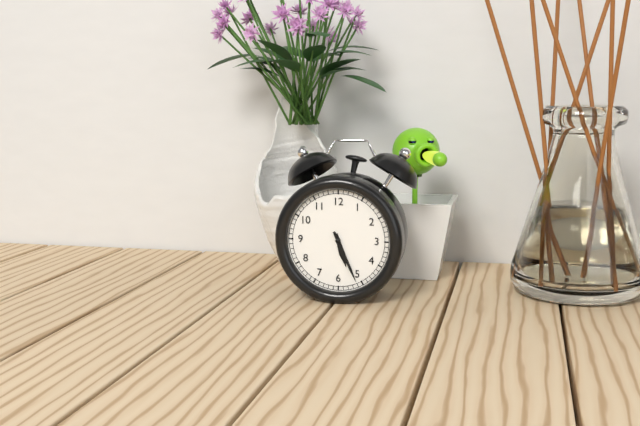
5:26
